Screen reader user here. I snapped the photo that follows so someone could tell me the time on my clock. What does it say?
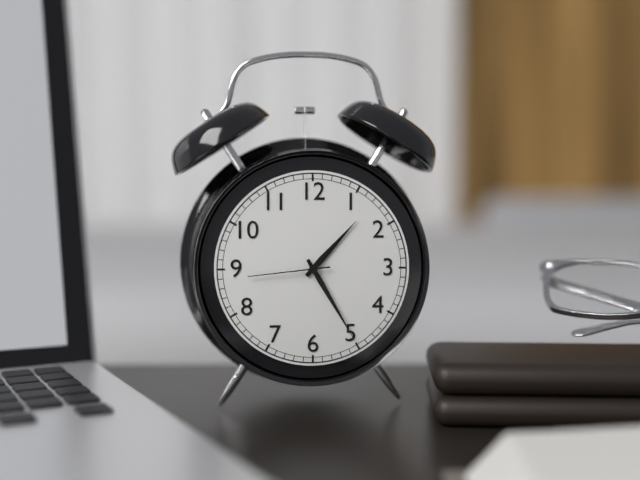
1:25:44
